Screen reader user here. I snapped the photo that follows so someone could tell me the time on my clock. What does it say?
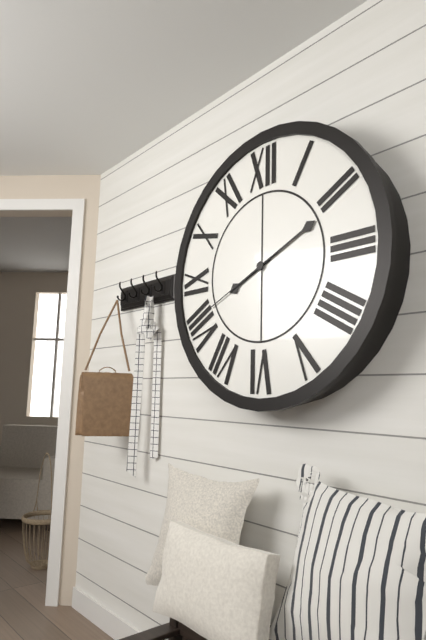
8:11:41
